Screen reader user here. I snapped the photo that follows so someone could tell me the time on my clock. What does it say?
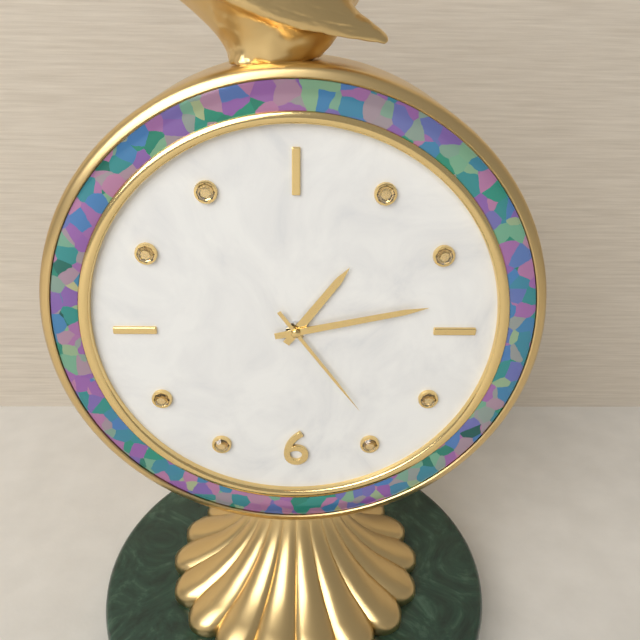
1:13:24
